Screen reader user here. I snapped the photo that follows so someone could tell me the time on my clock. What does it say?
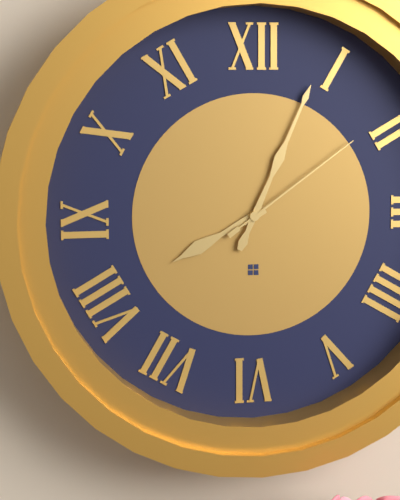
8:04:09
